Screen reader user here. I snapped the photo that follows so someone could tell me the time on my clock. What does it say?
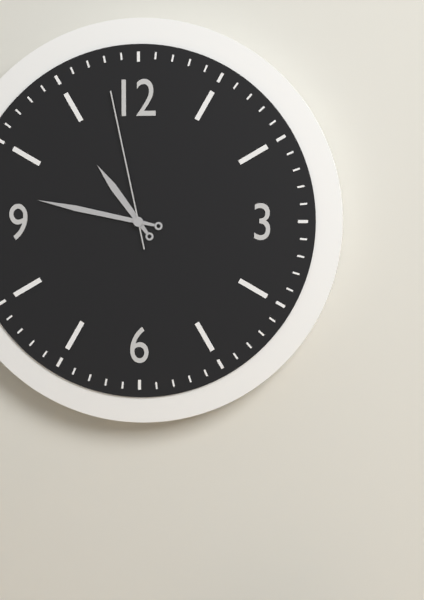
10:47:58
